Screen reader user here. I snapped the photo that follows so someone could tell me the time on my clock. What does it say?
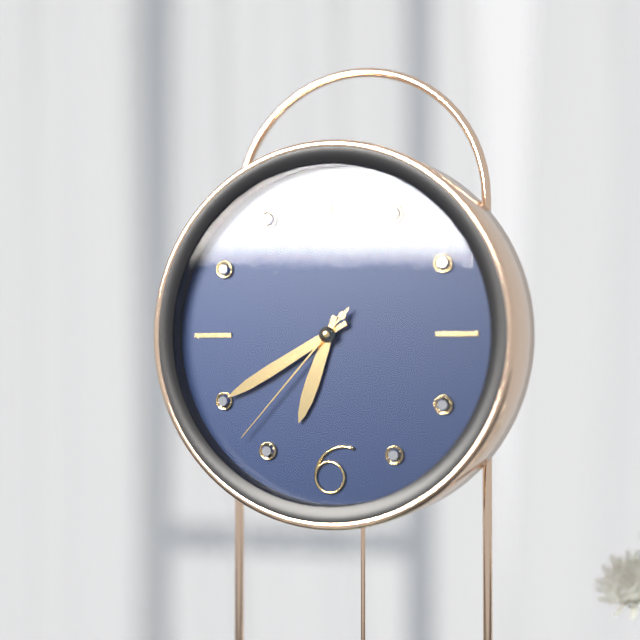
6:40:37
